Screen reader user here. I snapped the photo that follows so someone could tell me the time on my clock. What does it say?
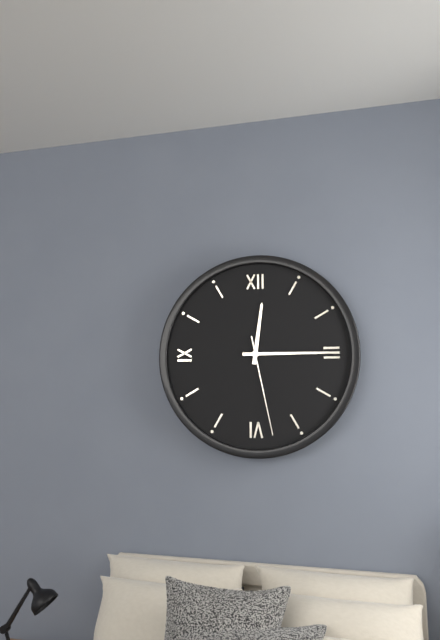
12:15:28
